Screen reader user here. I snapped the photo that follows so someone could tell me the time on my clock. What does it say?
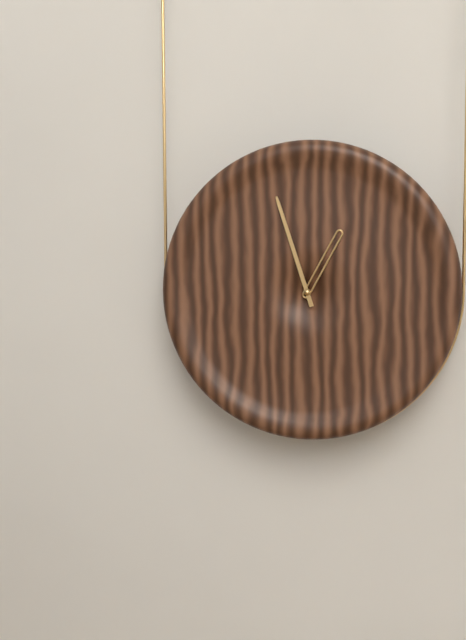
12:57
